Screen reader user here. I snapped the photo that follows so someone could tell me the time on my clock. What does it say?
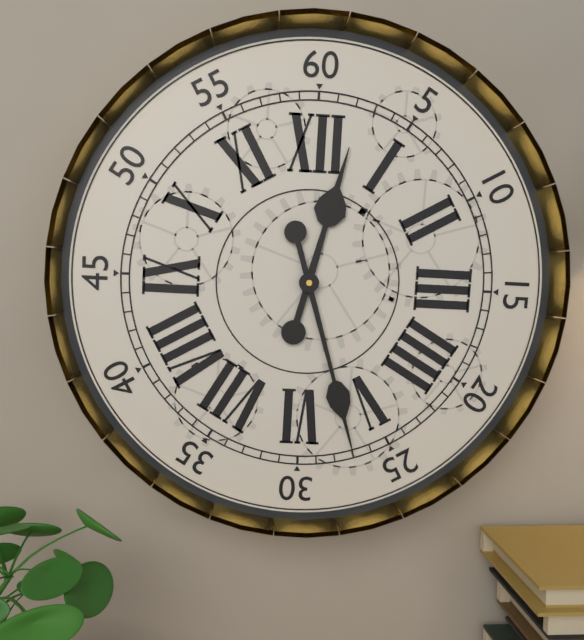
12:27
